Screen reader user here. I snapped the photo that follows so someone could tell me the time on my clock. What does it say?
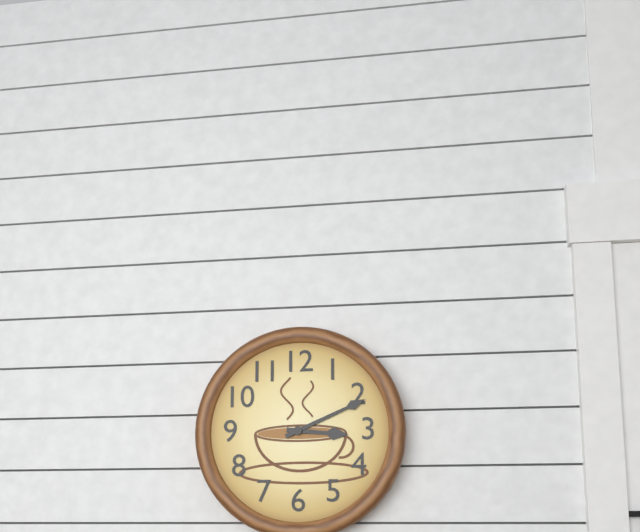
3:11
